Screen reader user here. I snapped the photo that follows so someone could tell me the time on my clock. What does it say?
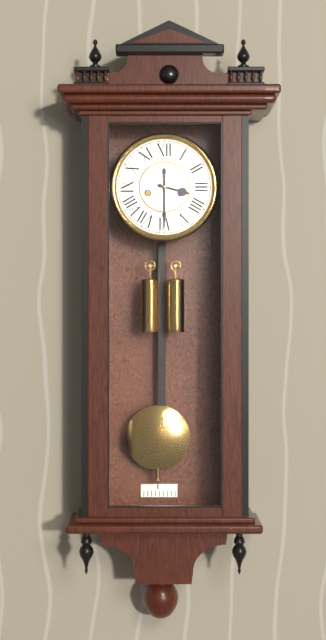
3:30
